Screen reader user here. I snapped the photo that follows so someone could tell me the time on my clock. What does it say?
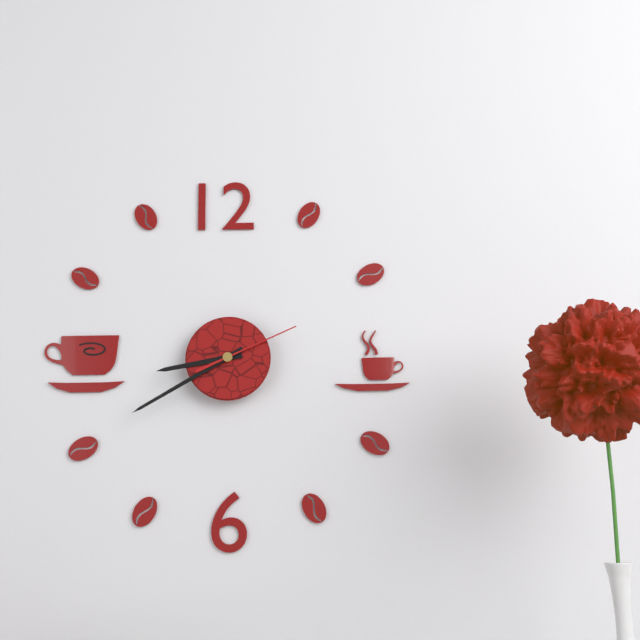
8:40:11
